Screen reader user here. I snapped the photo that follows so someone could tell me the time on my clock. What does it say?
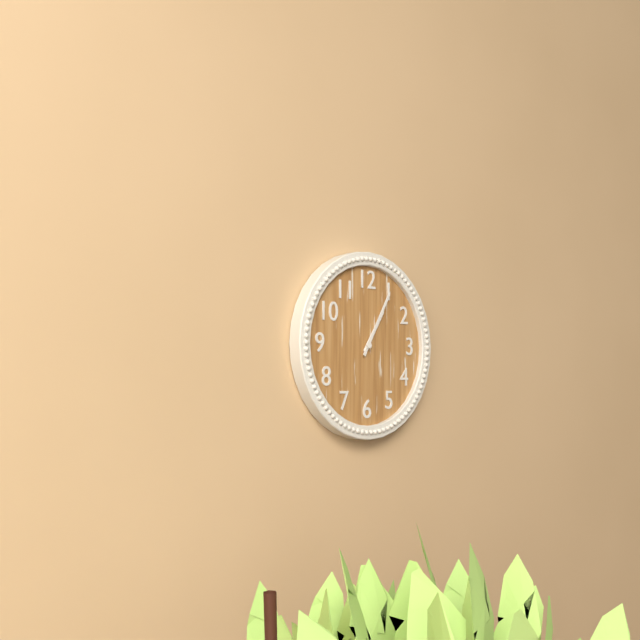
1:05
